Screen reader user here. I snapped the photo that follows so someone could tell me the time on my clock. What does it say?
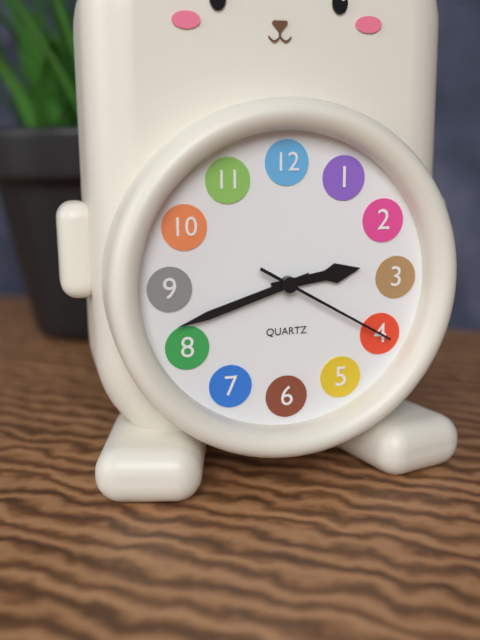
2:42:20
